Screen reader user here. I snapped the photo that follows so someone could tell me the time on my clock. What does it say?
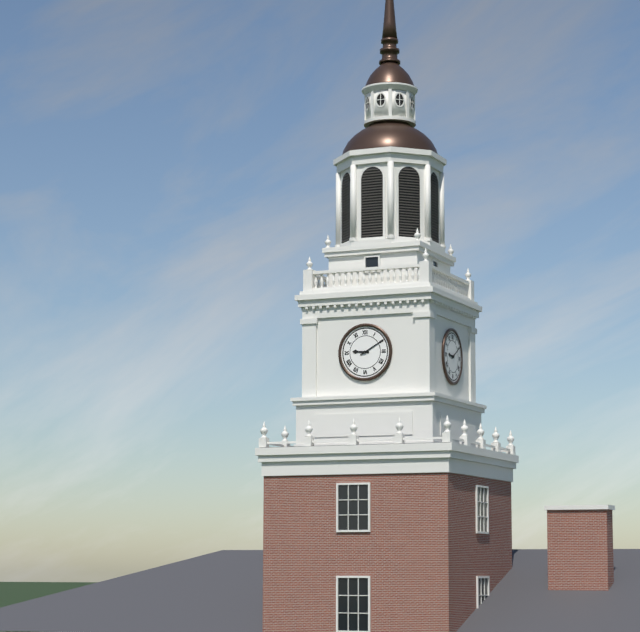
9:10
